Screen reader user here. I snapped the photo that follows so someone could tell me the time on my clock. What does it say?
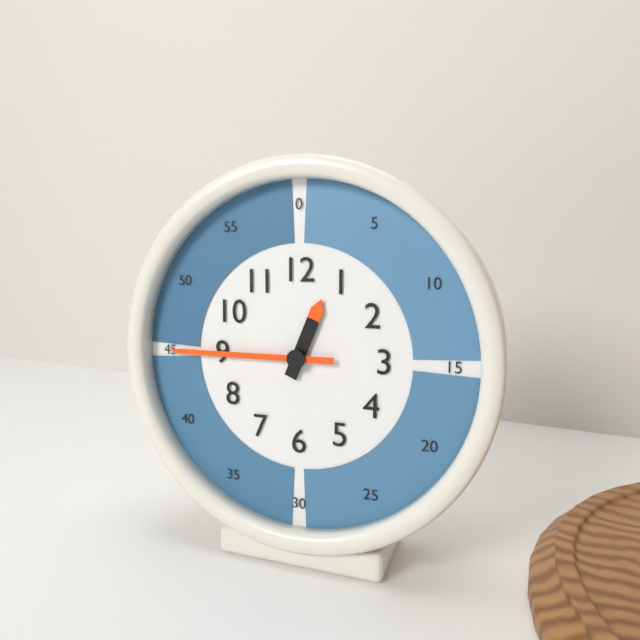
12:45
